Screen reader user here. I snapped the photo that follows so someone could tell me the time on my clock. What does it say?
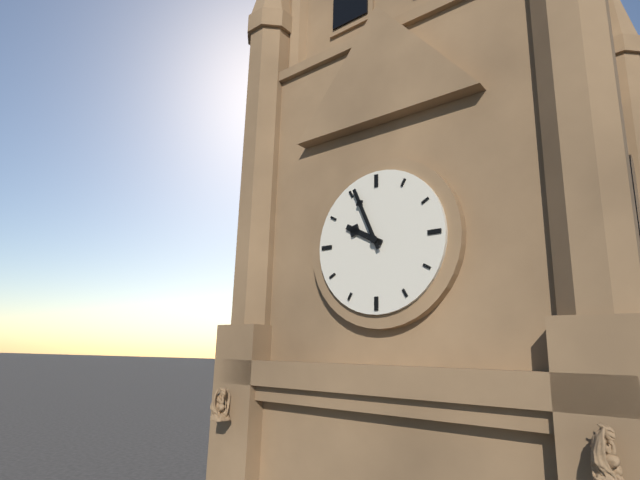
9:56
